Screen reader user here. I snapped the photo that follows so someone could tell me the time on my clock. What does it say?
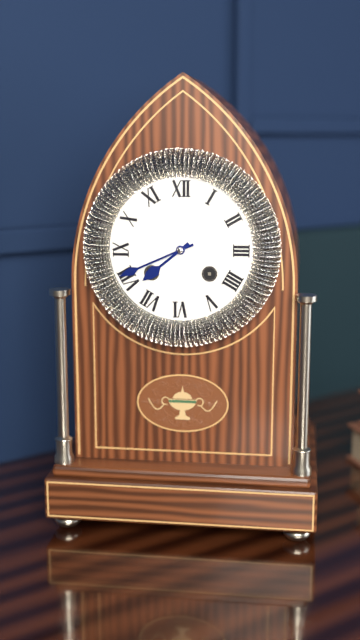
7:41
